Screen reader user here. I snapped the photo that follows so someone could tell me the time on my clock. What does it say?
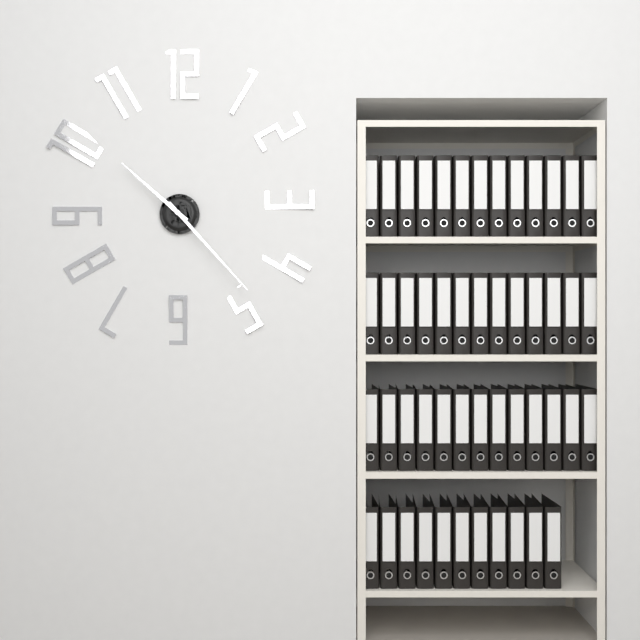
10:23
